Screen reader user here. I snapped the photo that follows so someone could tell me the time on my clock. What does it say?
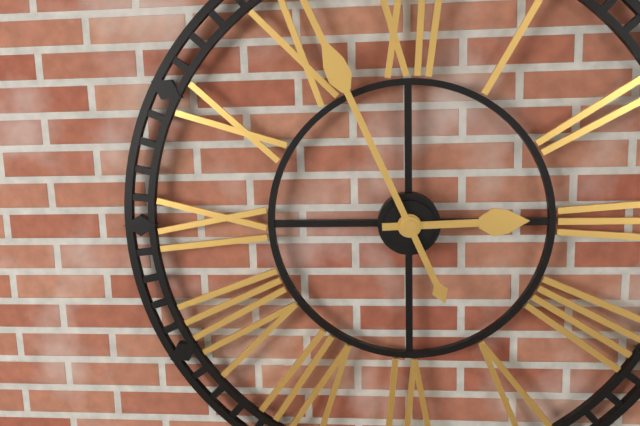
2:56
